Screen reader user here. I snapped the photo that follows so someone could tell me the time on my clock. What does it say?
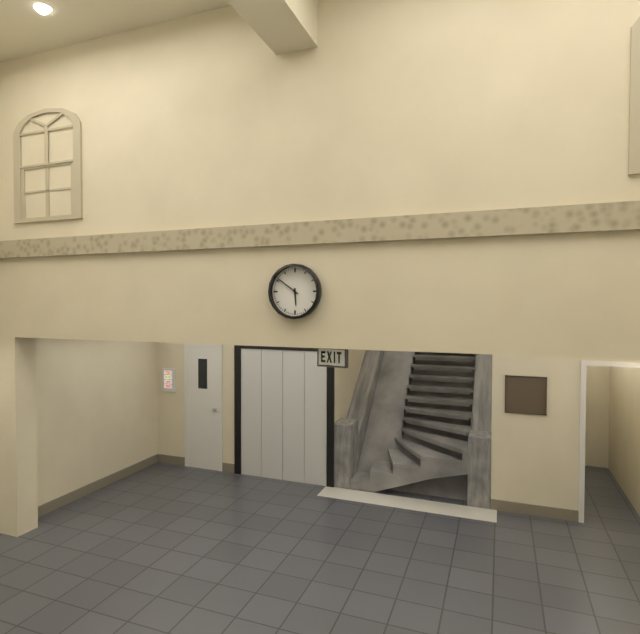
5:51
